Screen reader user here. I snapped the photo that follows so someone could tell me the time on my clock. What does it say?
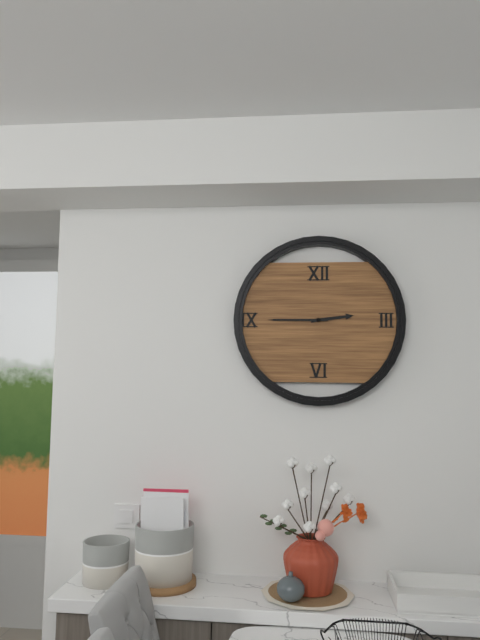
2:45
